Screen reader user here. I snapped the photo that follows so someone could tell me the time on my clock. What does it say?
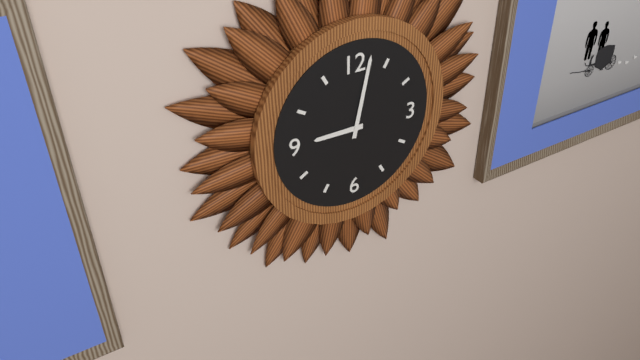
9:02
